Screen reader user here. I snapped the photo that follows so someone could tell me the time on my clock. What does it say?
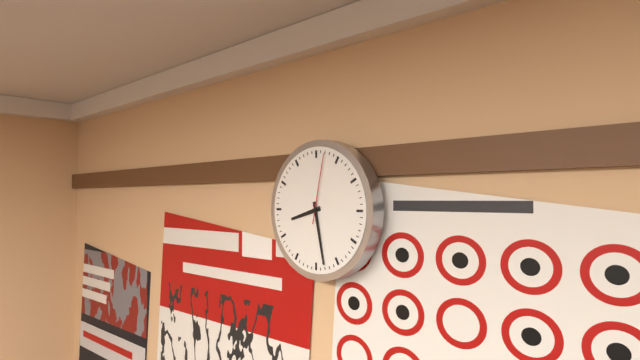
8:28:02
